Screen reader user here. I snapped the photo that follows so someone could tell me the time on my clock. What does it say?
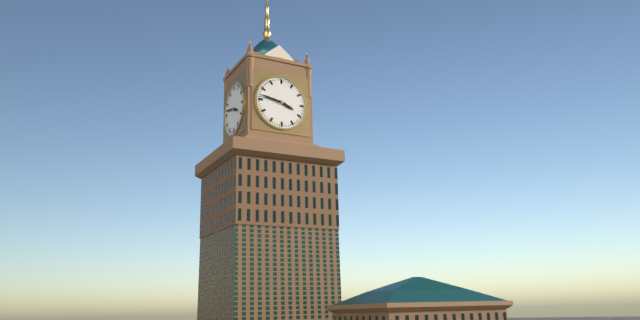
3:47
